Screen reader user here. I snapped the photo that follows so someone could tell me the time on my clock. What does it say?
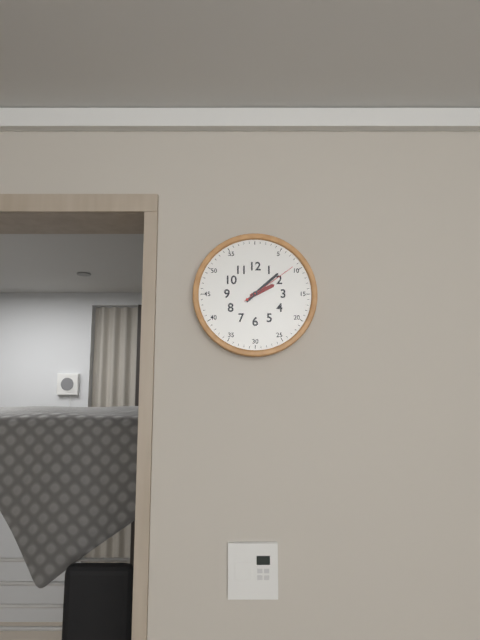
2:08:09
